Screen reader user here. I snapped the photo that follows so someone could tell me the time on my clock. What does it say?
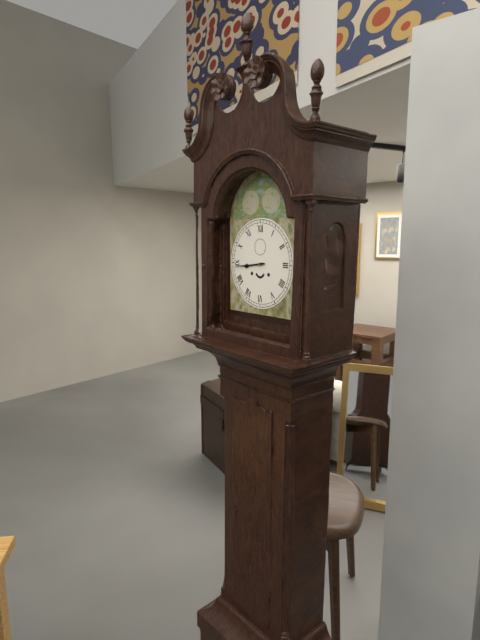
8:44
